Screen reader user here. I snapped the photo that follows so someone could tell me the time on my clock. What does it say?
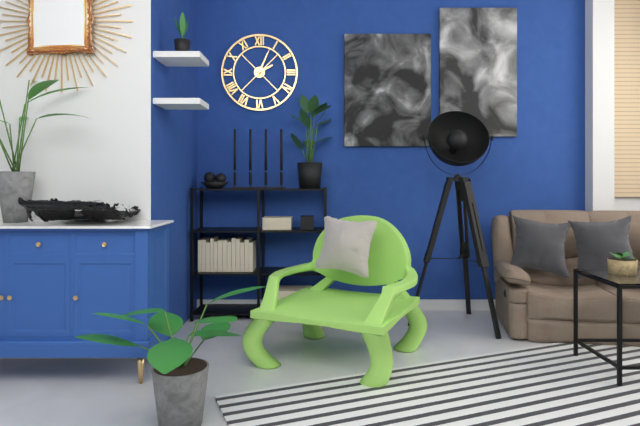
2:04
